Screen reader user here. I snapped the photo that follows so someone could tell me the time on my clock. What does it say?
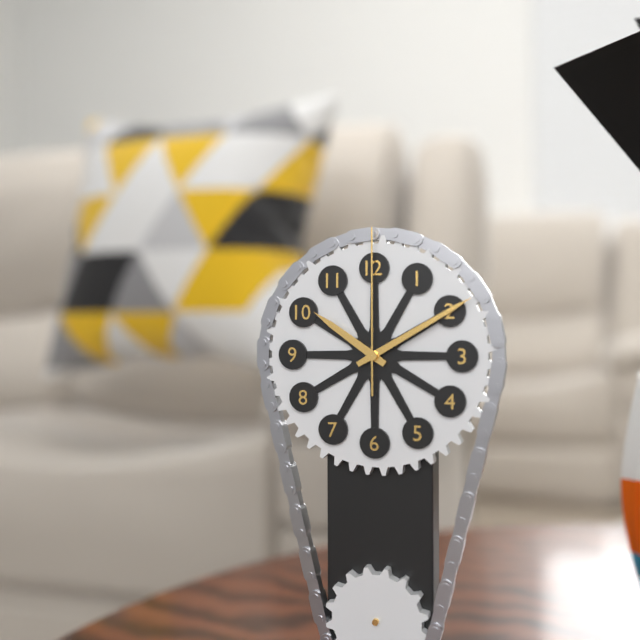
10:10:00
